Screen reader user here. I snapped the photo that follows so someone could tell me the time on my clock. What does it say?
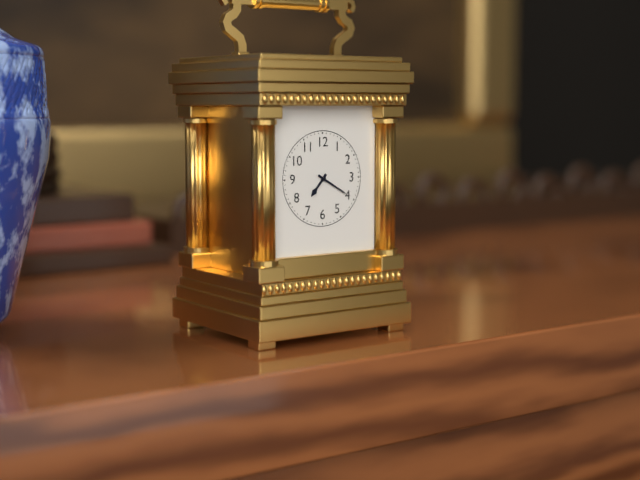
7:20
